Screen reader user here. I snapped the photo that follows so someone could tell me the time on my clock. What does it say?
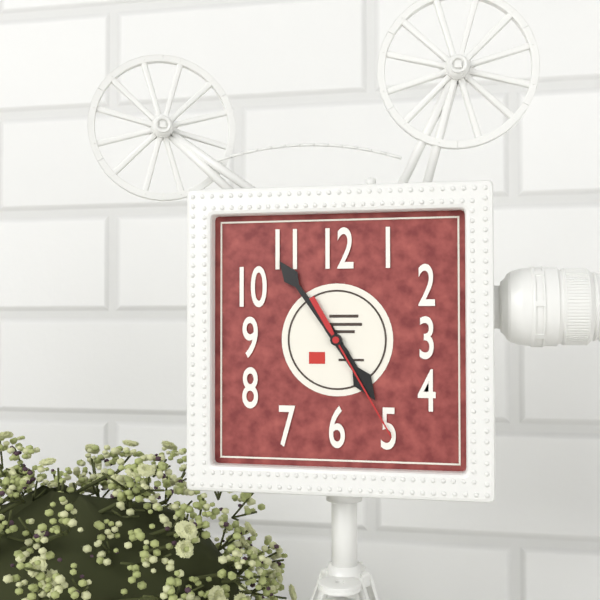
4:54:25
